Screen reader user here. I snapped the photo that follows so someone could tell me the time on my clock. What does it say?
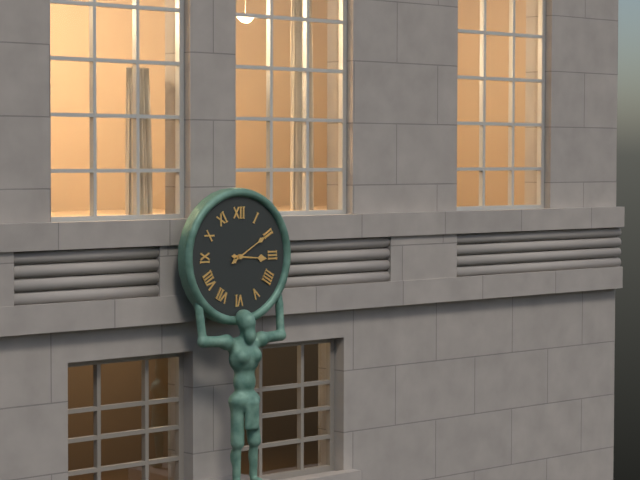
3:10
